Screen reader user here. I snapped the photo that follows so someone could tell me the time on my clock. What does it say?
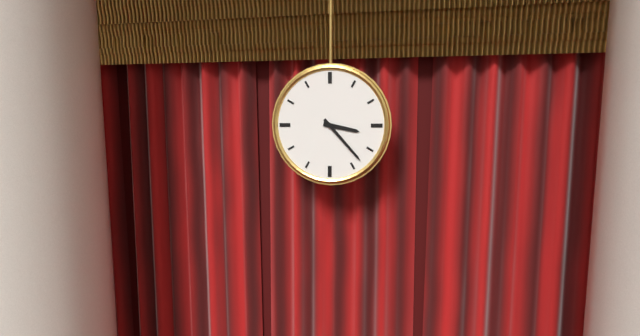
3:23
